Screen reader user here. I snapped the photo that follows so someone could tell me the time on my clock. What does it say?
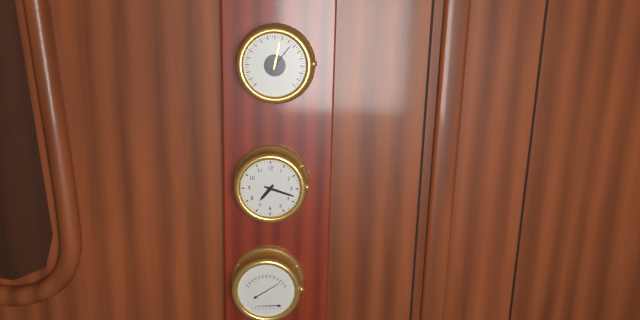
7:18
